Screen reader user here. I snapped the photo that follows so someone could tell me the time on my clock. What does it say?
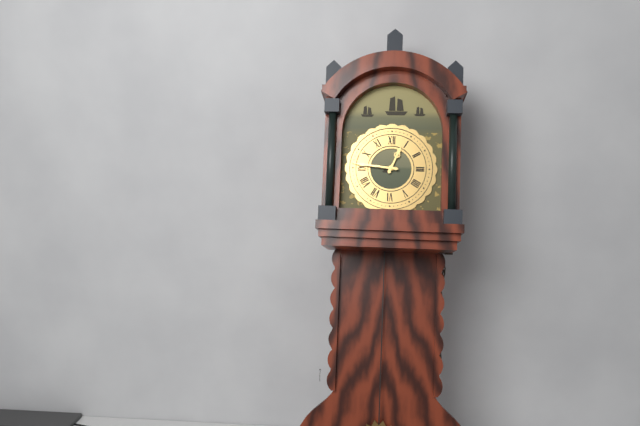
12:46
